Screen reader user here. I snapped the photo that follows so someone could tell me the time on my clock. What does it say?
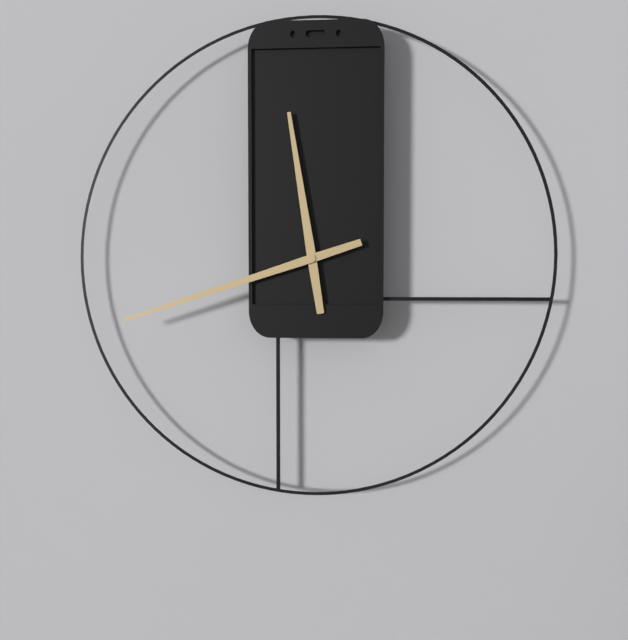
11:42
